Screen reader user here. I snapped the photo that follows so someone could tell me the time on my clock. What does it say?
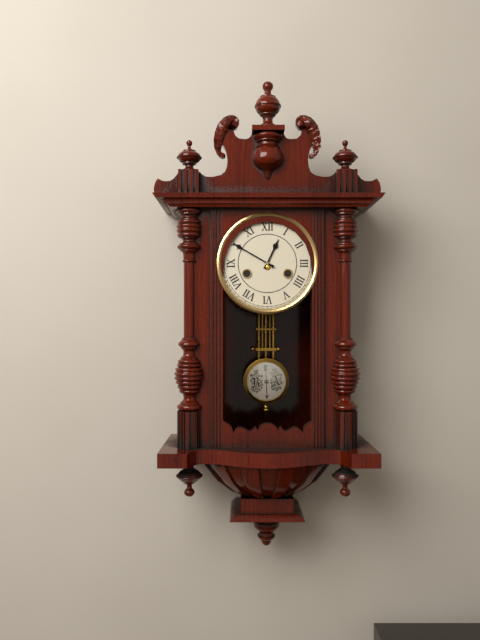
12:50
